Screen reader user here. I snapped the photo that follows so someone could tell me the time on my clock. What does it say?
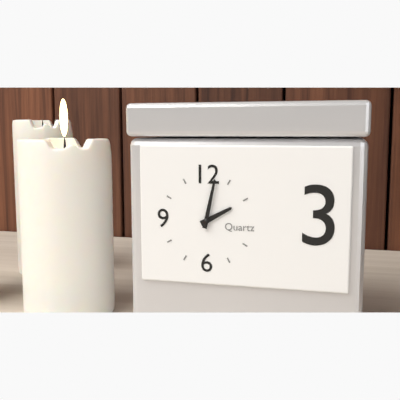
2:02
